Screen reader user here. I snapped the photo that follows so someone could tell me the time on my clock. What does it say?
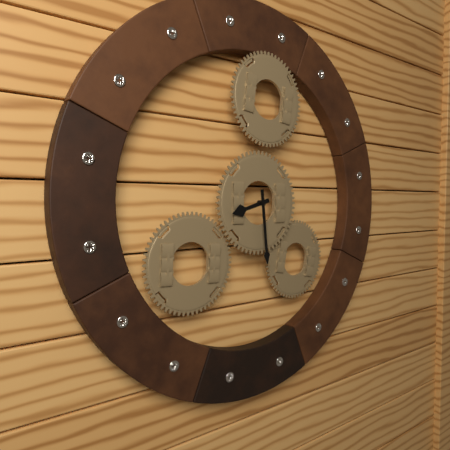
8:29
